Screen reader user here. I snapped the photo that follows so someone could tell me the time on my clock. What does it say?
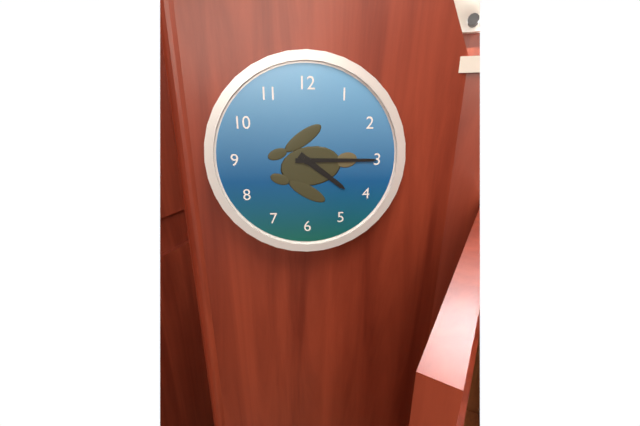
4:15
